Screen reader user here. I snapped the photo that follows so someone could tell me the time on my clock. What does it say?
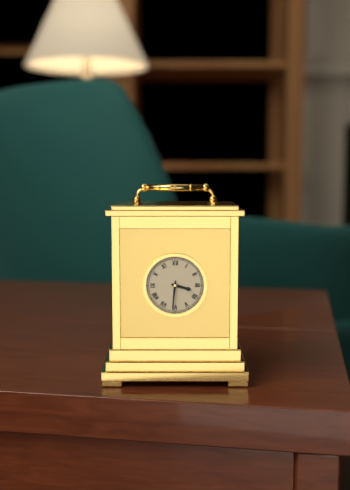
3:31
